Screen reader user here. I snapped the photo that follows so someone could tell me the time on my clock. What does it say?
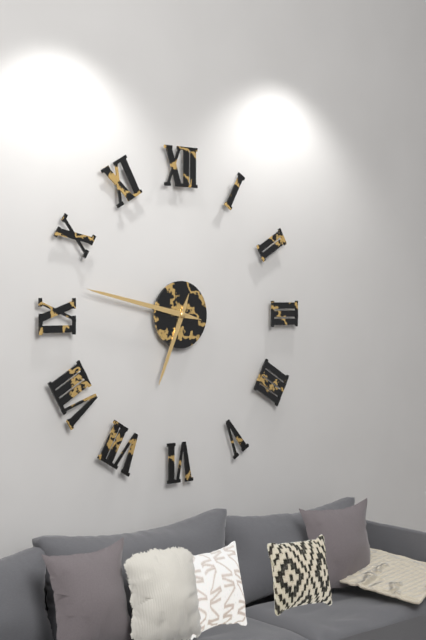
6:47
